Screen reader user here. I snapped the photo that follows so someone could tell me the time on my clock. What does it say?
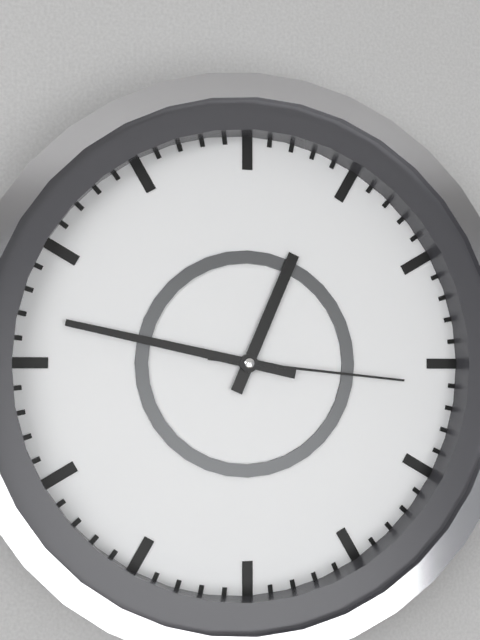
12:47:16
